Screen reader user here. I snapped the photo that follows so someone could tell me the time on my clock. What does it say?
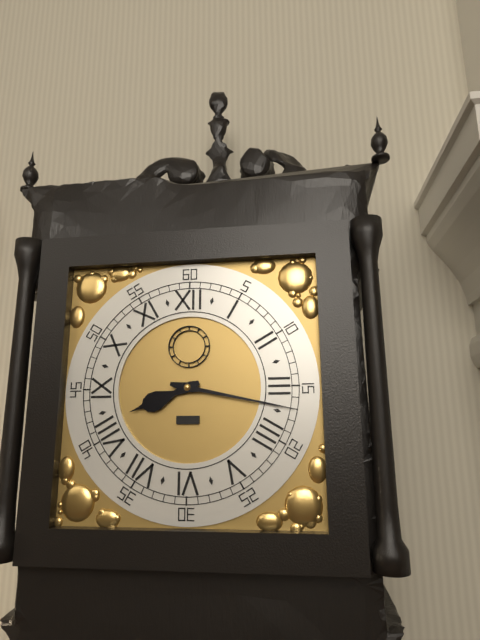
8:17
